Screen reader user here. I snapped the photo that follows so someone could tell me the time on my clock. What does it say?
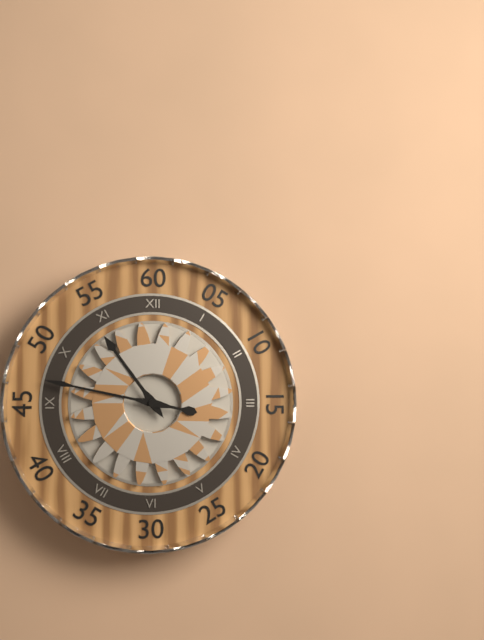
10:47
